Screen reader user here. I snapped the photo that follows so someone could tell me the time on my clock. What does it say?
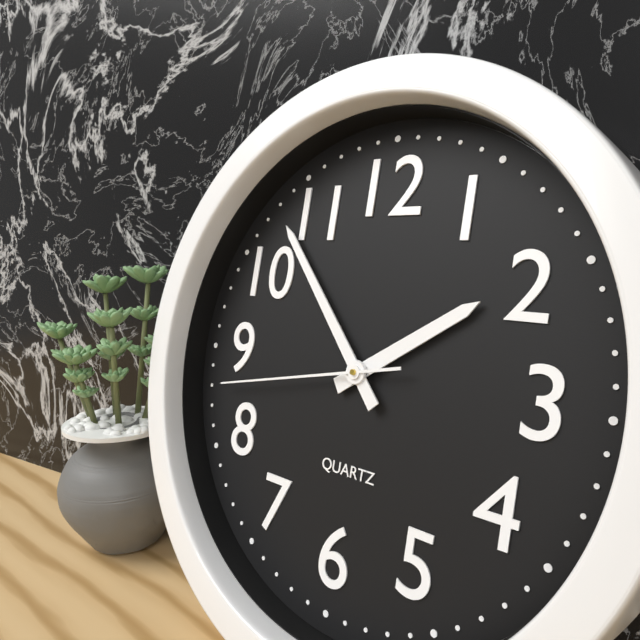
1:53:43
